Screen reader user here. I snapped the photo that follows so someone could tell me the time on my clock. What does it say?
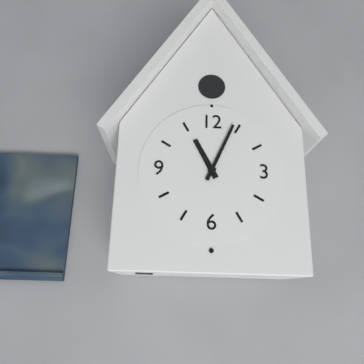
11:04
